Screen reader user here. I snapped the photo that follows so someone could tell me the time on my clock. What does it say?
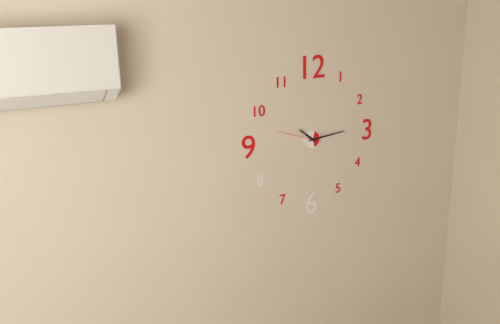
10:14
